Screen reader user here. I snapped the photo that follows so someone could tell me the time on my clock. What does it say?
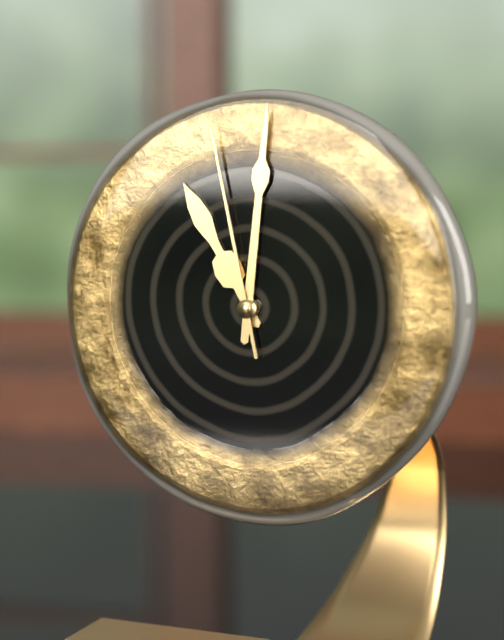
11:01:58
